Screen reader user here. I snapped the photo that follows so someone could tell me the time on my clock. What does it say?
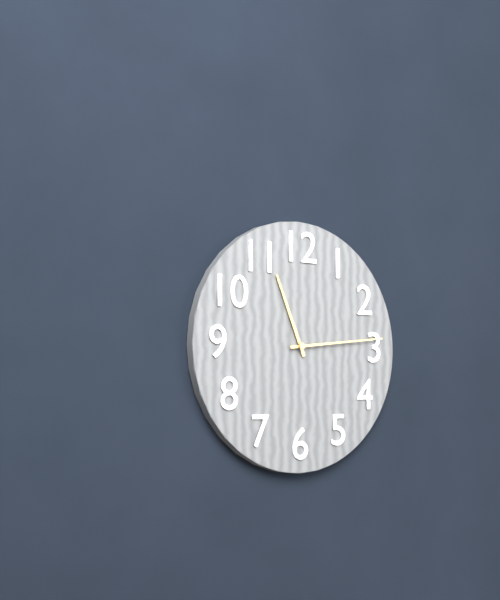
11:14
